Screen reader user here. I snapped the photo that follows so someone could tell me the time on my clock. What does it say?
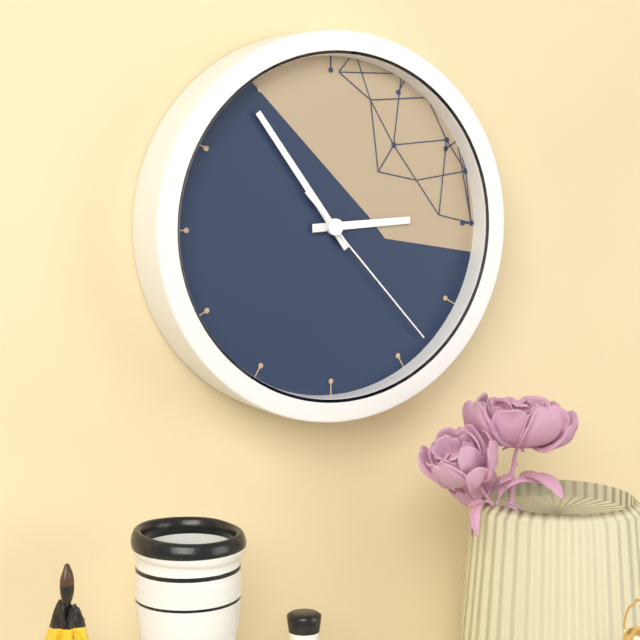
2:54:23
